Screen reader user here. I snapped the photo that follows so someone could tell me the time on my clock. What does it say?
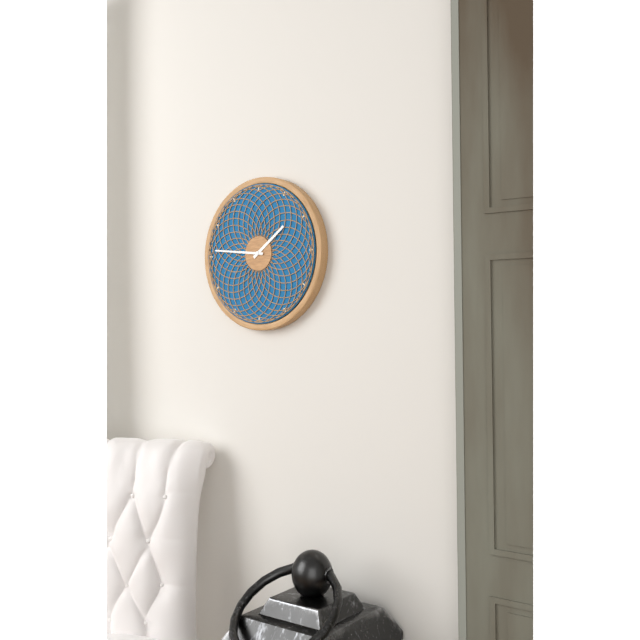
1:46
